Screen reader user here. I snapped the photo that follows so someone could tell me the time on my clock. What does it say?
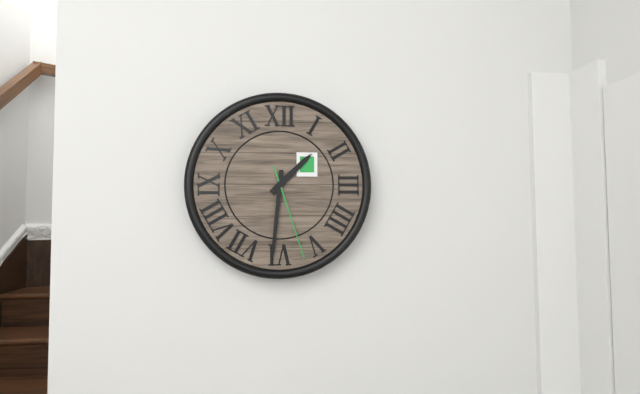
1:31:27
